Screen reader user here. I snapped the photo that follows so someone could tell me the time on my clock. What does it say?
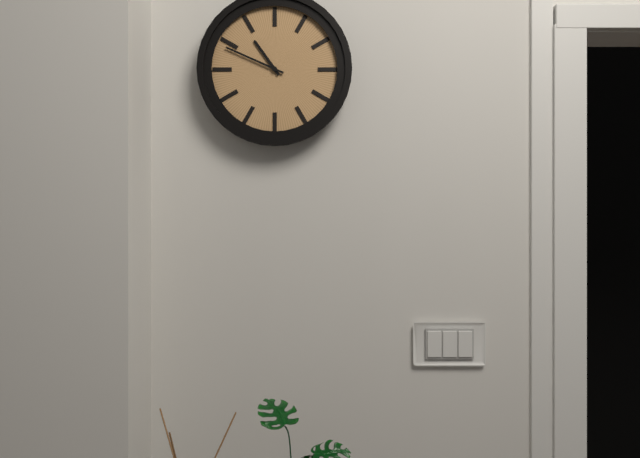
10:49
